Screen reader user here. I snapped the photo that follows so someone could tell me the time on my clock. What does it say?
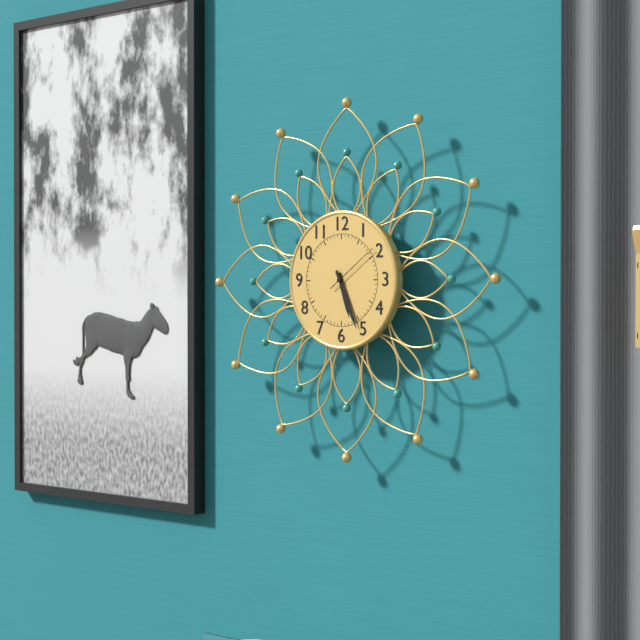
5:26:09
